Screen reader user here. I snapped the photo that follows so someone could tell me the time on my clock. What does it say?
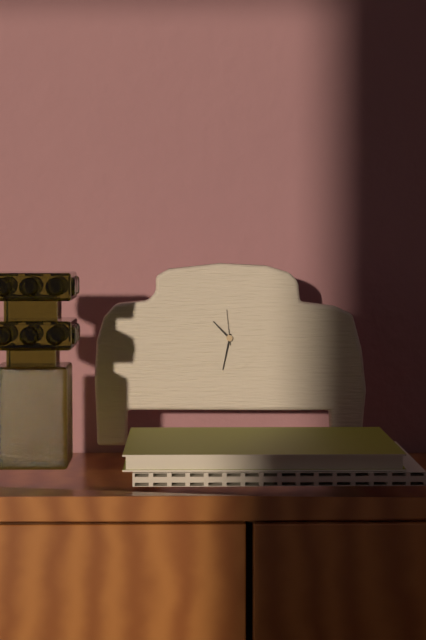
10:32
